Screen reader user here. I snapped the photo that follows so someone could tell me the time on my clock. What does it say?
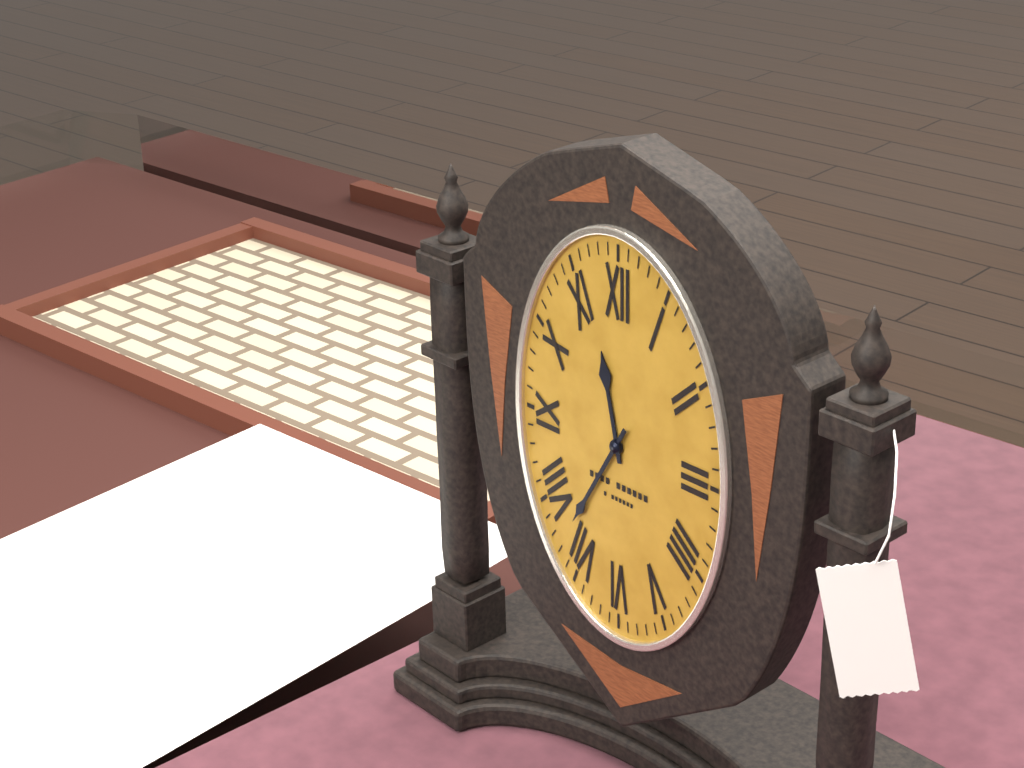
11:35
